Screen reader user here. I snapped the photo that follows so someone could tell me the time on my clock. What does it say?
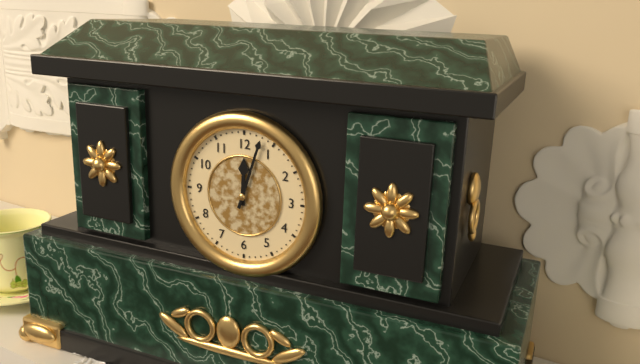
12:03
